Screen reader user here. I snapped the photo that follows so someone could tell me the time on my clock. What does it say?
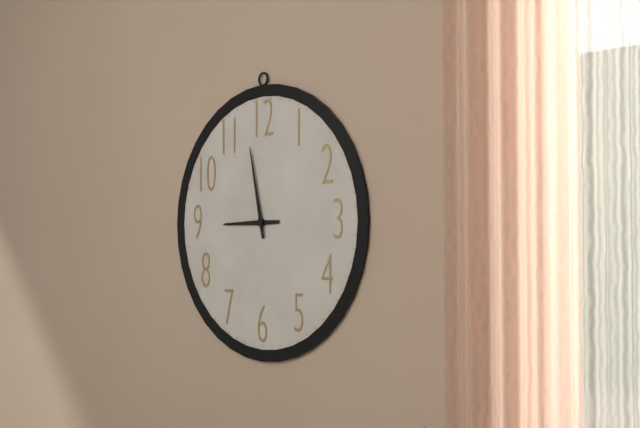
8:58
